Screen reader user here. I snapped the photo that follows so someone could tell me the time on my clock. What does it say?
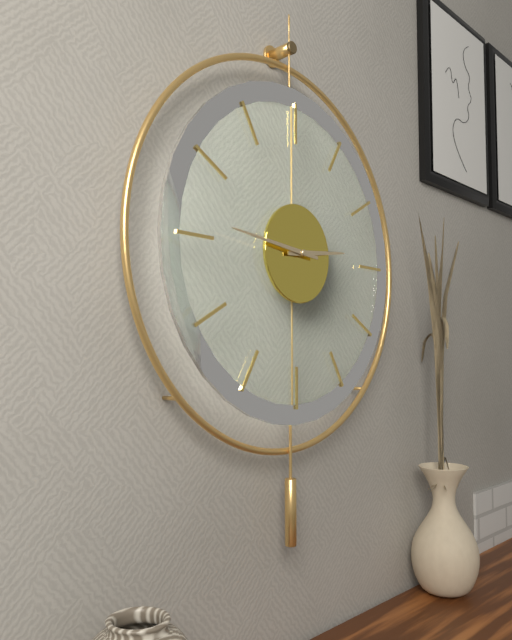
2:46
